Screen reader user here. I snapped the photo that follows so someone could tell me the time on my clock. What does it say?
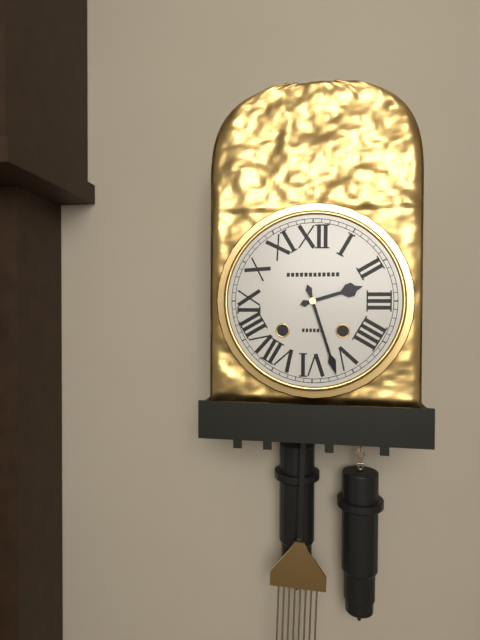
2:27
